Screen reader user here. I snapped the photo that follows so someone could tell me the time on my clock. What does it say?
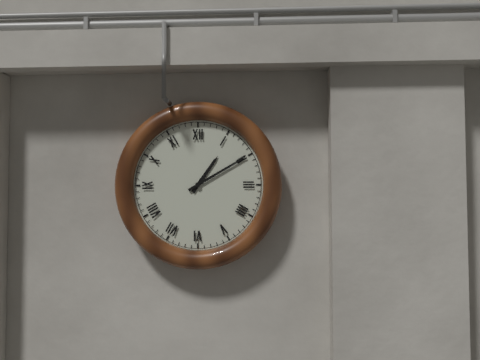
1:10
